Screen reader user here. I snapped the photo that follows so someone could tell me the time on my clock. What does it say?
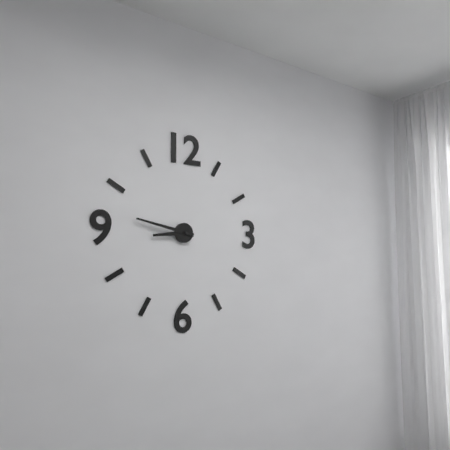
8:47
